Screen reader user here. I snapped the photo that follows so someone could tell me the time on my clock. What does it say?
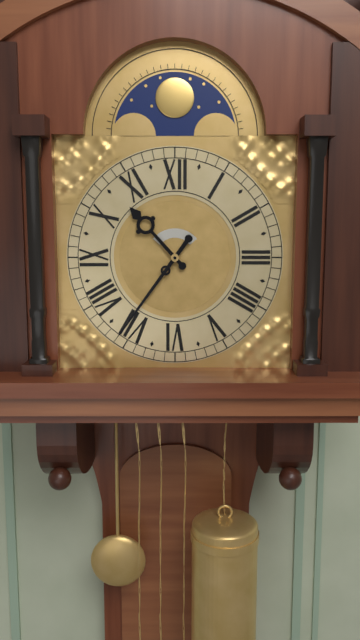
10:36
